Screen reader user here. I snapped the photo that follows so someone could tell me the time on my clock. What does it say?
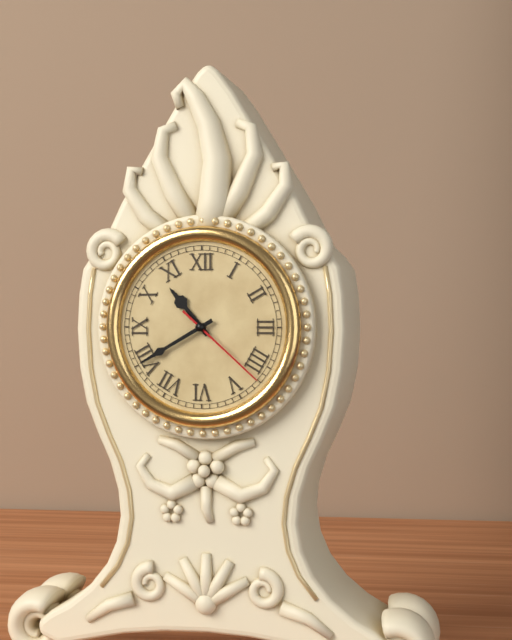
10:40:22
